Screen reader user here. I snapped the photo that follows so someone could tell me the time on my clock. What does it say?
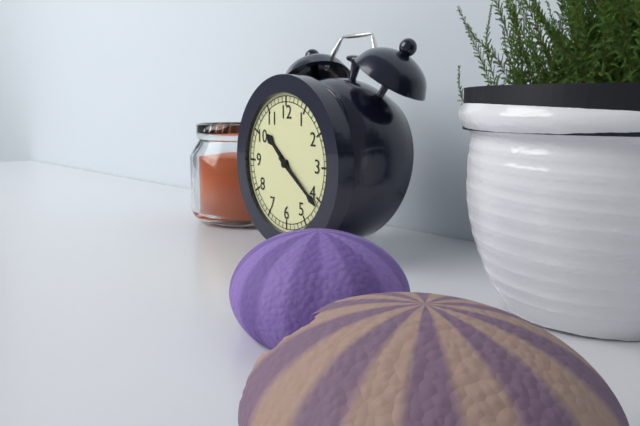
10:21
